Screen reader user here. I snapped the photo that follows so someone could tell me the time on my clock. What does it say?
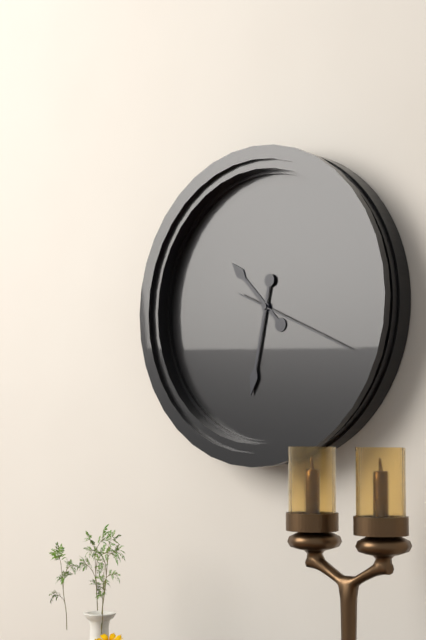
10:32:19
